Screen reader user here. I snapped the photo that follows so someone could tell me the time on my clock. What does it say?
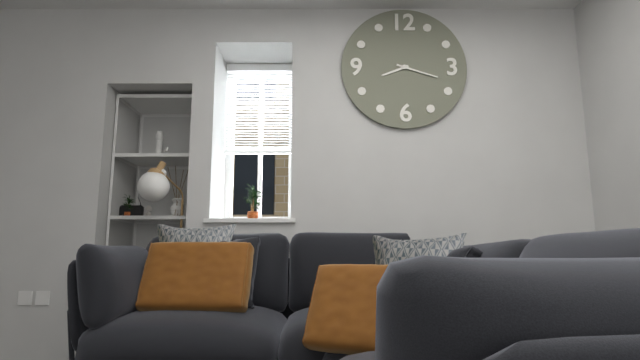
8:18
